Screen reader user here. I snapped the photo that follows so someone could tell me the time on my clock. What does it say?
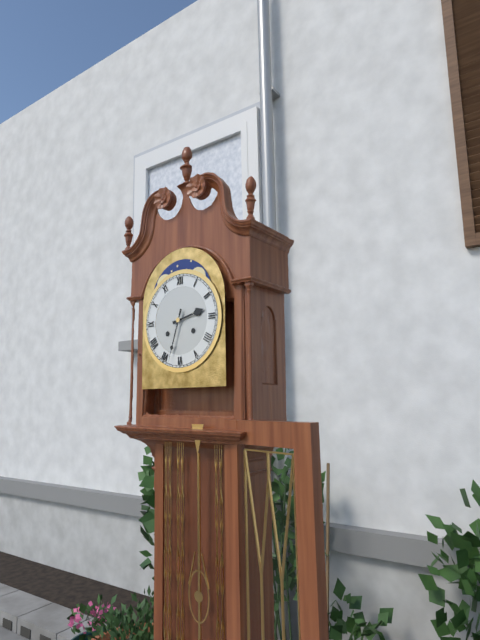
2:33
